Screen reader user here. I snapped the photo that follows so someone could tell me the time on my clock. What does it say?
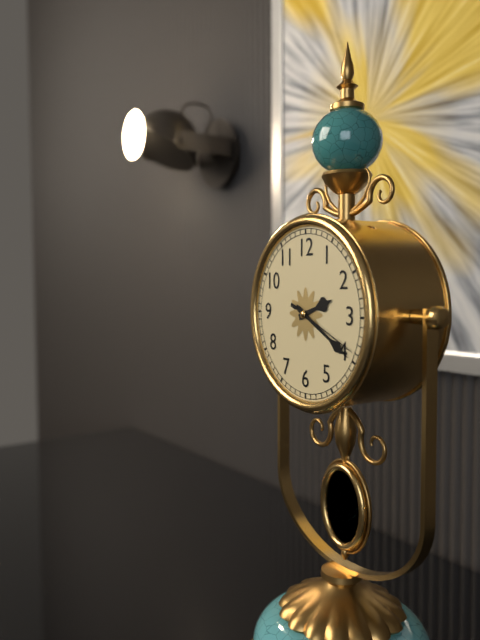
2:20:19
